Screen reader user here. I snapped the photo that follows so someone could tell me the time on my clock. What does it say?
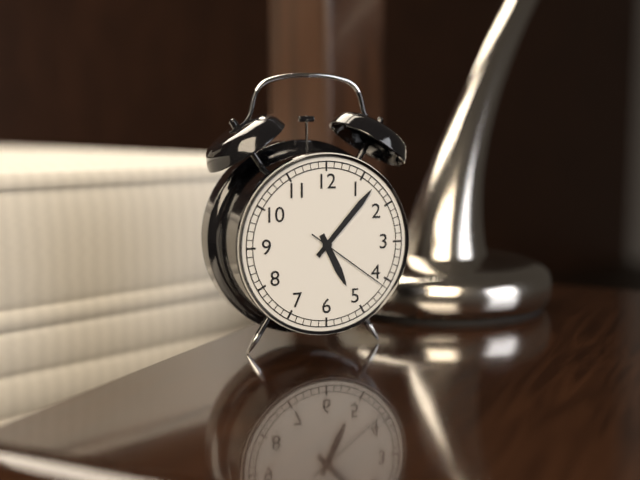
5:07:21
